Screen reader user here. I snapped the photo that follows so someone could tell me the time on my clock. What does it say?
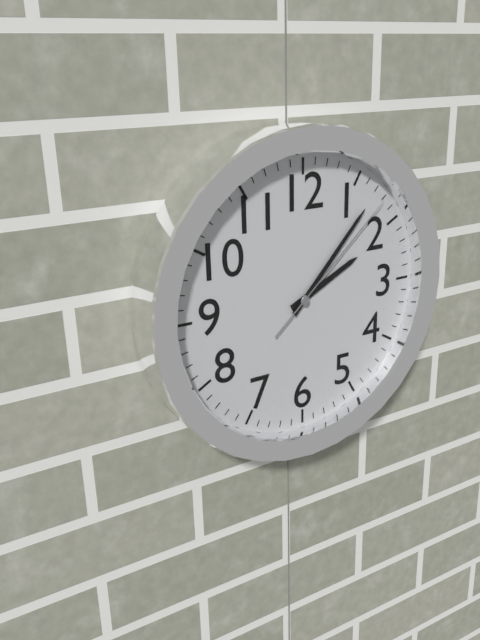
2:07:08
